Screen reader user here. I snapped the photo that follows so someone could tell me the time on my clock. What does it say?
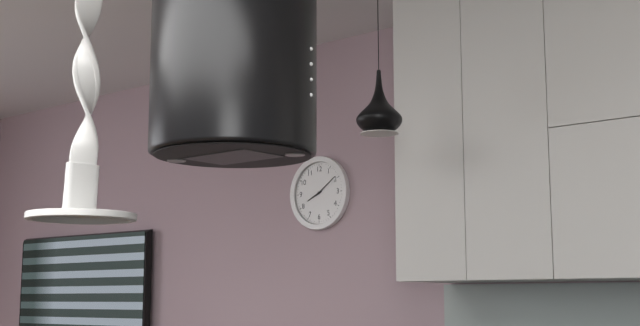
8:09
